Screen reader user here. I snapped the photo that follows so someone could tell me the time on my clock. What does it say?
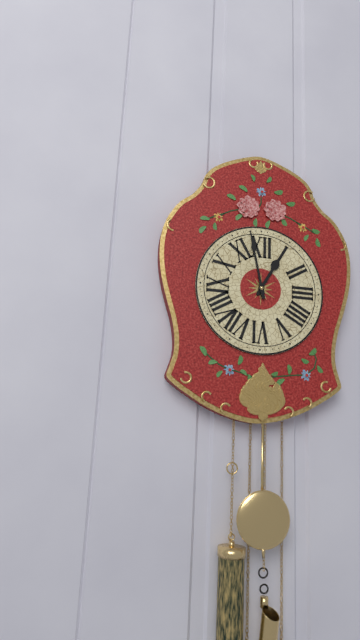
12:58
